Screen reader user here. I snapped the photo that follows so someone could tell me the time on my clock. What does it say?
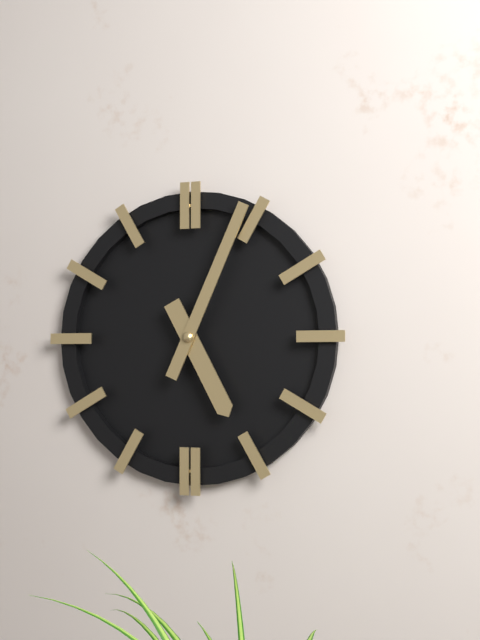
5:04
